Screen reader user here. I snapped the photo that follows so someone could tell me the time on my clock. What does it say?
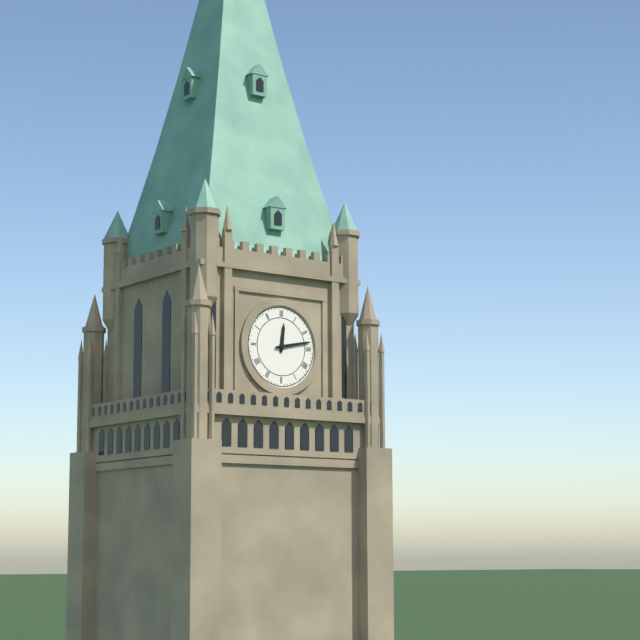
12:13
